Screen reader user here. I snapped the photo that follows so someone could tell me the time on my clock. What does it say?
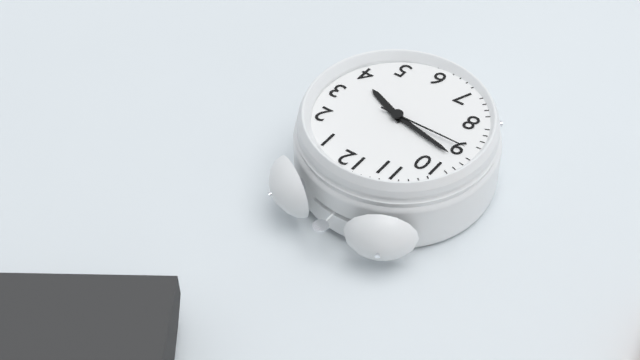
3:47:45
